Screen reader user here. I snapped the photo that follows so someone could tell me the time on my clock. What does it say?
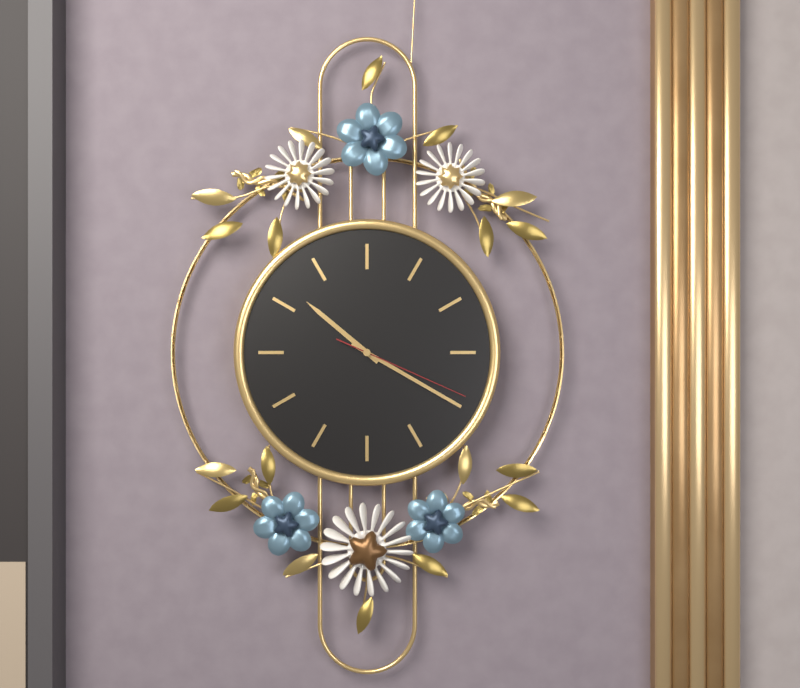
10:20:19
